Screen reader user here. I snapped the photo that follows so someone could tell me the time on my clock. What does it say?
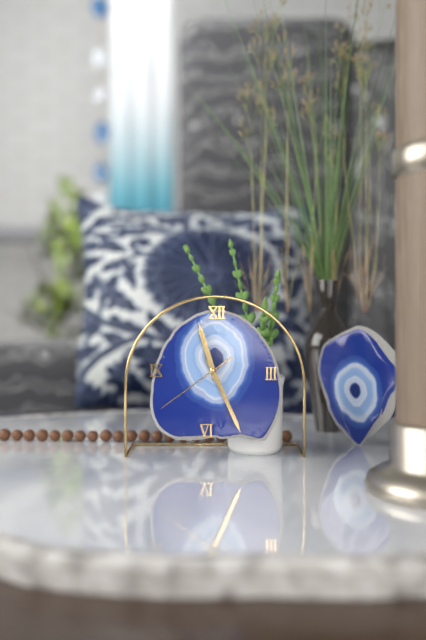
11:26:39
